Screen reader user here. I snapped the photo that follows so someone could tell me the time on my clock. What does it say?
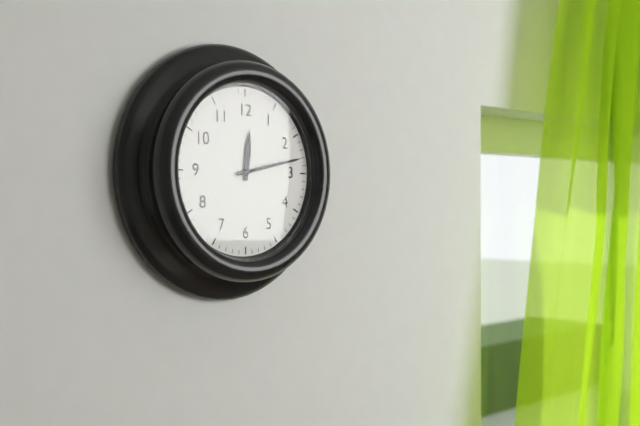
12:13
